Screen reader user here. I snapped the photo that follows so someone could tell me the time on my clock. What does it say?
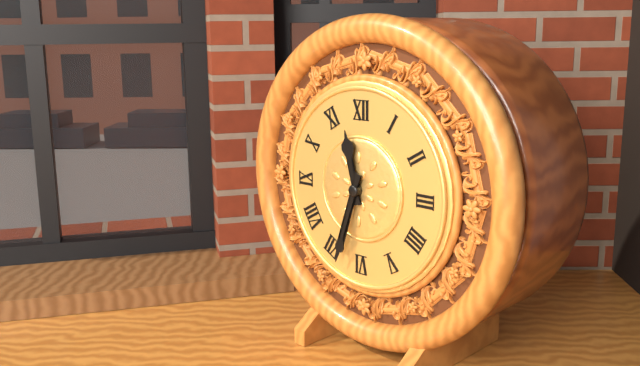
11:33
